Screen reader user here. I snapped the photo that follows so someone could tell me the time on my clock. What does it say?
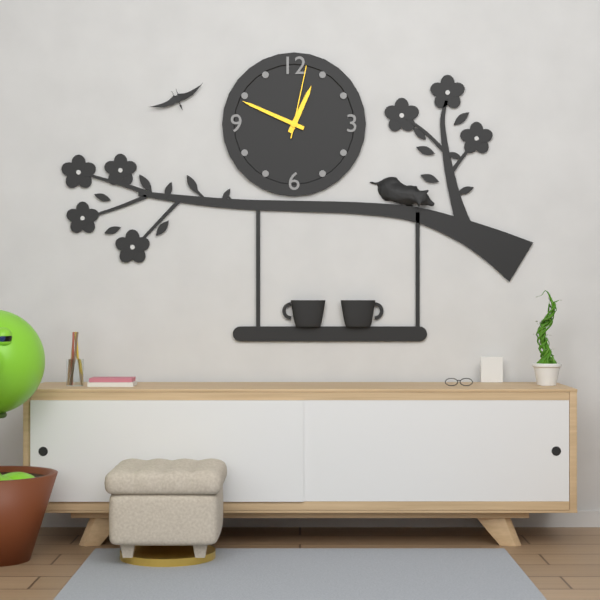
12:49:02
